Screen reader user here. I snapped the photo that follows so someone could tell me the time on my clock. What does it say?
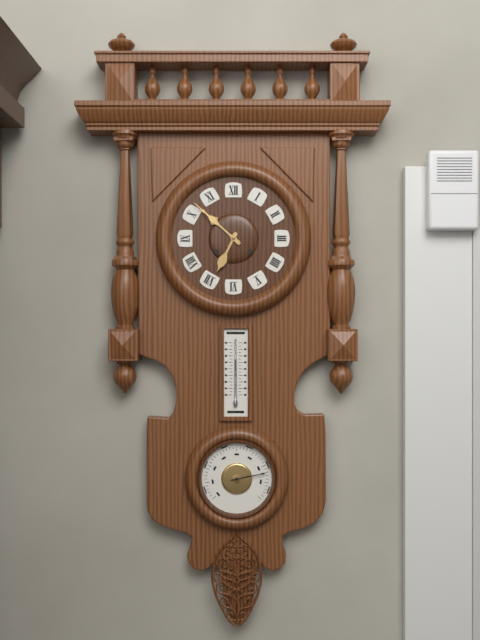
6:52
